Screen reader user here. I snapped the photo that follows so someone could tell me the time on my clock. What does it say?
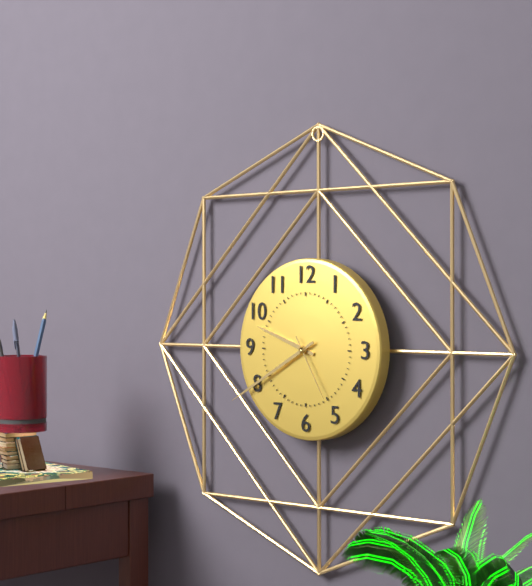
9:40:25
